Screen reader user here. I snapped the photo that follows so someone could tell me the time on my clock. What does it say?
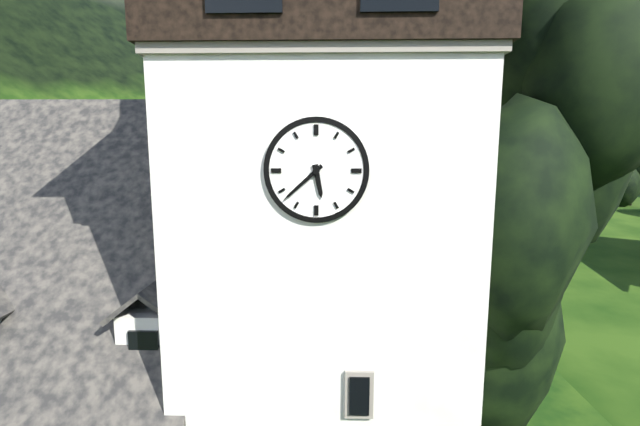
5:38
